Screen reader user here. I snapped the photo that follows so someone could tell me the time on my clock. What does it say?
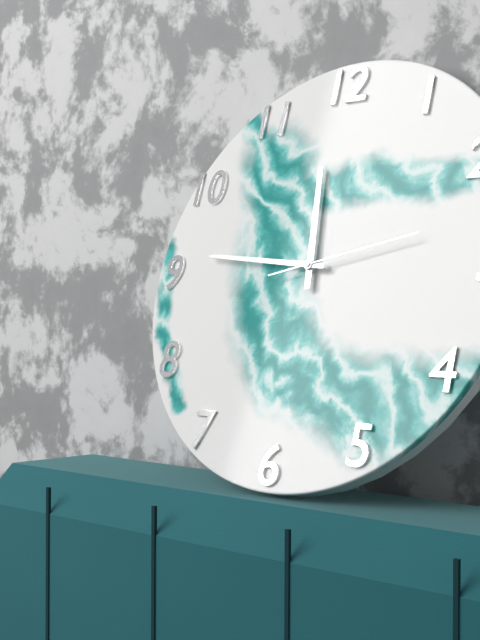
11:46:13
